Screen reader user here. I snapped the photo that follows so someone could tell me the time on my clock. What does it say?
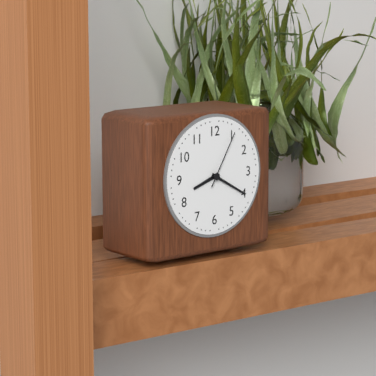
8:20:05
